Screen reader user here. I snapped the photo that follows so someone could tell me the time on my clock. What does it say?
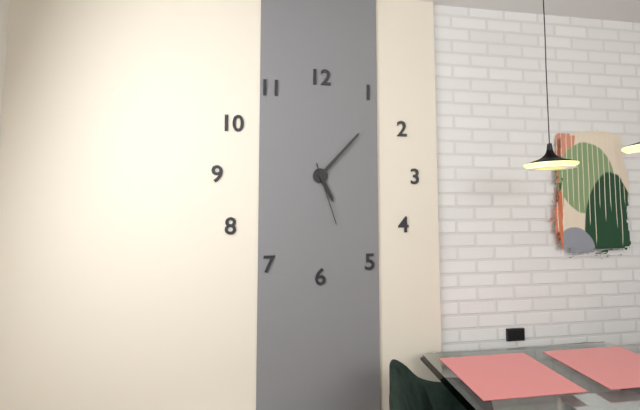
5:07:27
